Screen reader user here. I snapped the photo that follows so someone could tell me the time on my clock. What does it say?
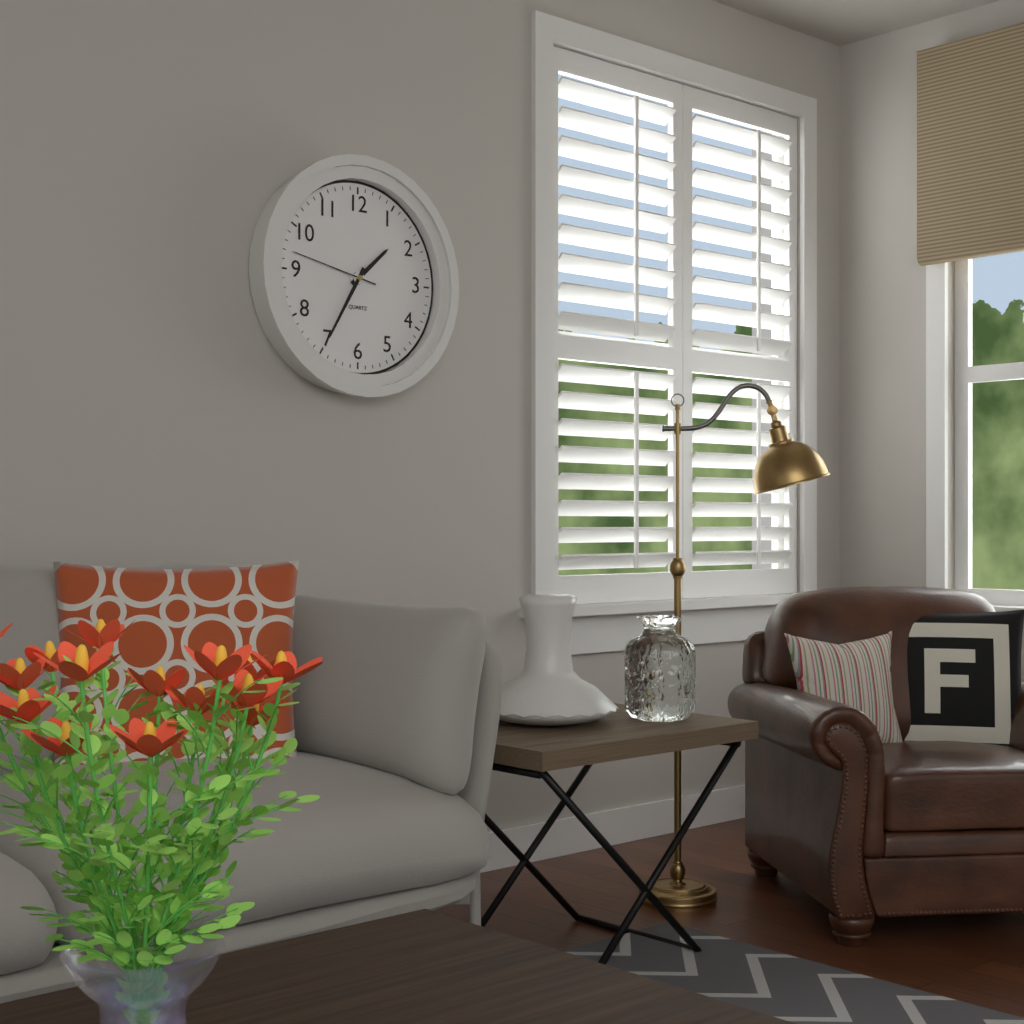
1:35:47
